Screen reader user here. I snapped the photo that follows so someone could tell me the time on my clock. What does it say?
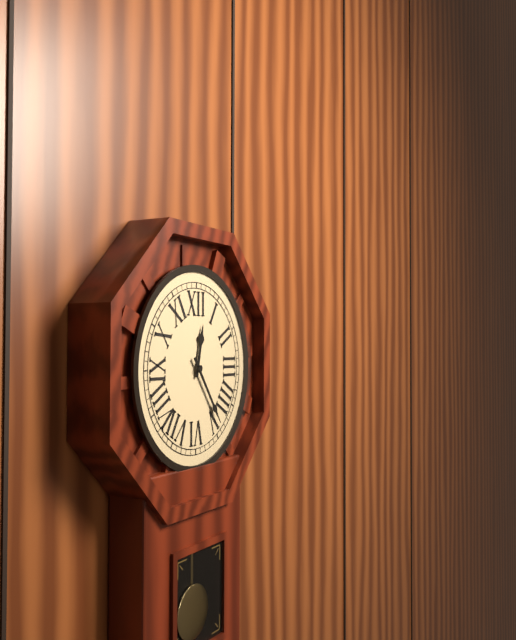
12:24
